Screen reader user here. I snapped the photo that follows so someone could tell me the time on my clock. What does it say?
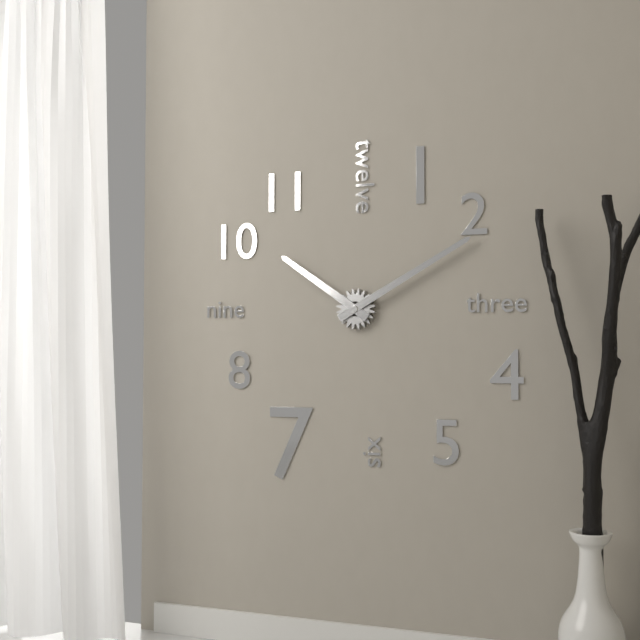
10:10
